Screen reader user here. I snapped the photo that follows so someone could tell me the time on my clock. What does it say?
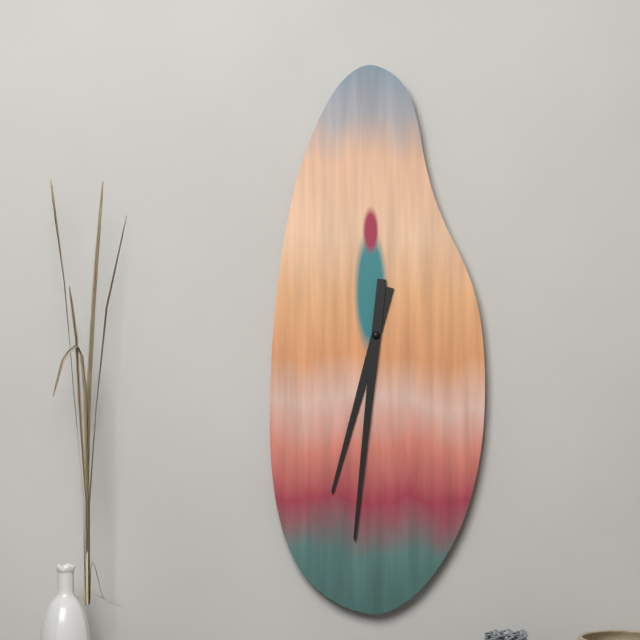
6:31
